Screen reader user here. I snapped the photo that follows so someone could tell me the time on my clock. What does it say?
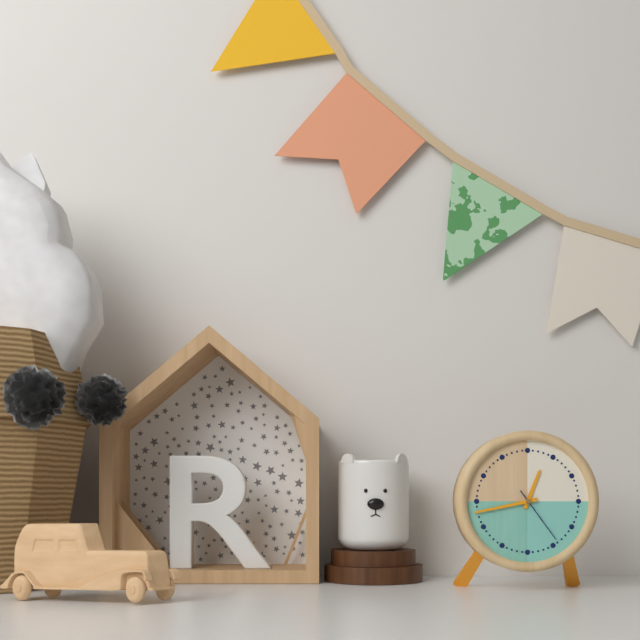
12:43:24
